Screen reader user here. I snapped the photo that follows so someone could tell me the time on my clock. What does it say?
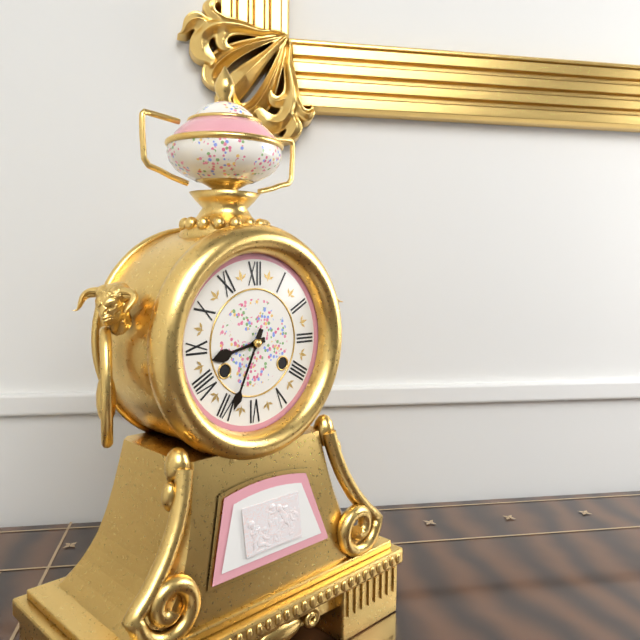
8:34
